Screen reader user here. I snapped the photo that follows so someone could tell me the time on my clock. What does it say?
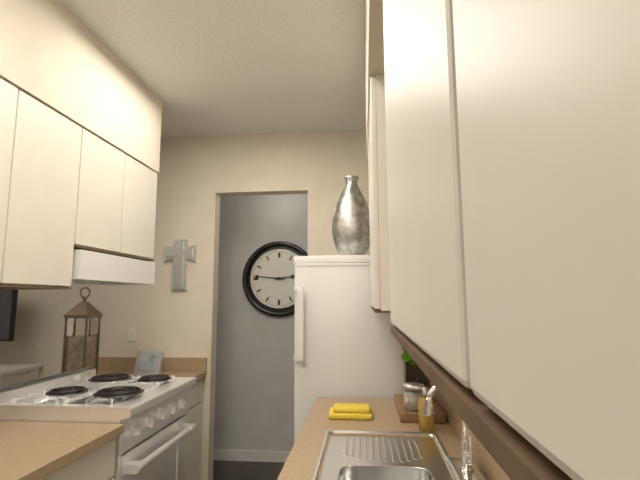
2:46
